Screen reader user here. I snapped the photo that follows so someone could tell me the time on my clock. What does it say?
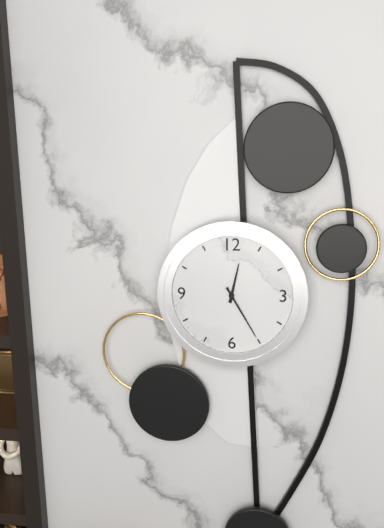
12:25
